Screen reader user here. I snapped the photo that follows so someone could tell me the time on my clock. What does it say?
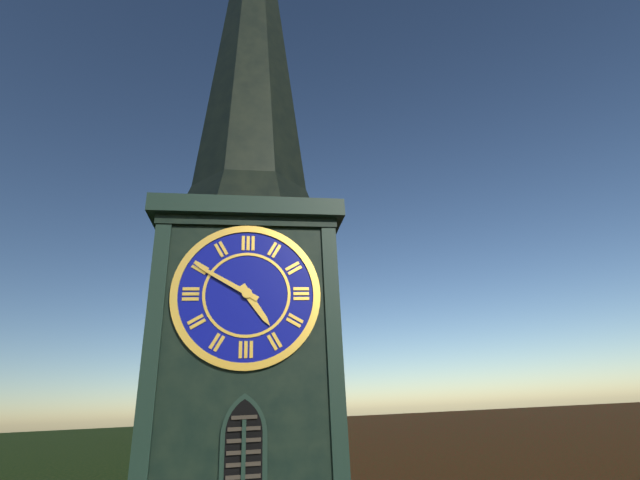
4:50
